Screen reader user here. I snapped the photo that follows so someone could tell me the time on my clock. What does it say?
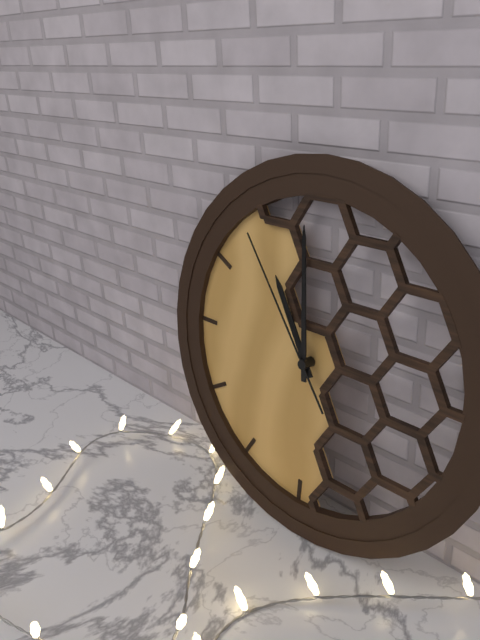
10:59:54
